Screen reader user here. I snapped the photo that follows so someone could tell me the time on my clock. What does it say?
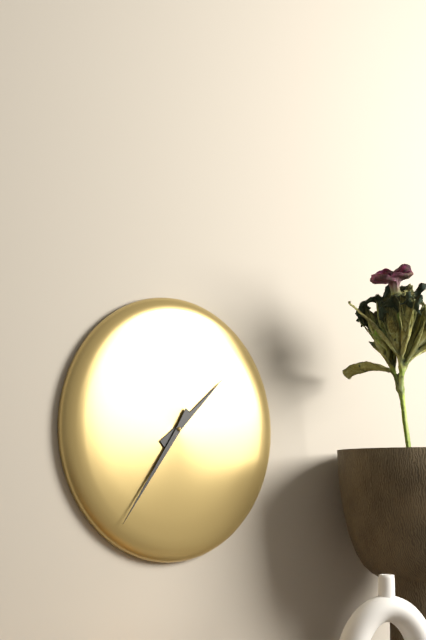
1:36
